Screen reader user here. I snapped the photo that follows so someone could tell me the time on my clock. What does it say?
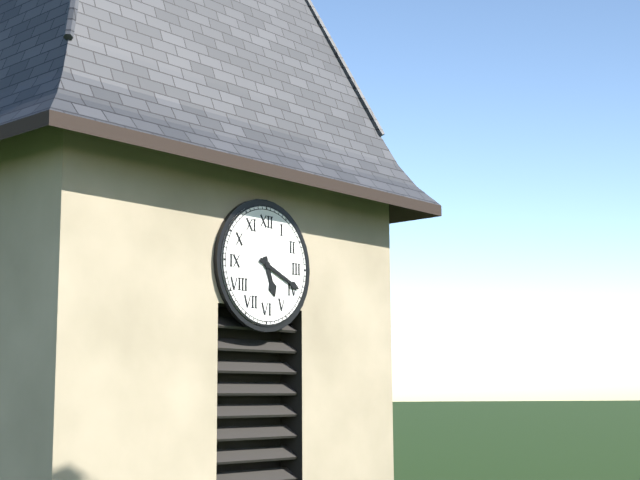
5:19
